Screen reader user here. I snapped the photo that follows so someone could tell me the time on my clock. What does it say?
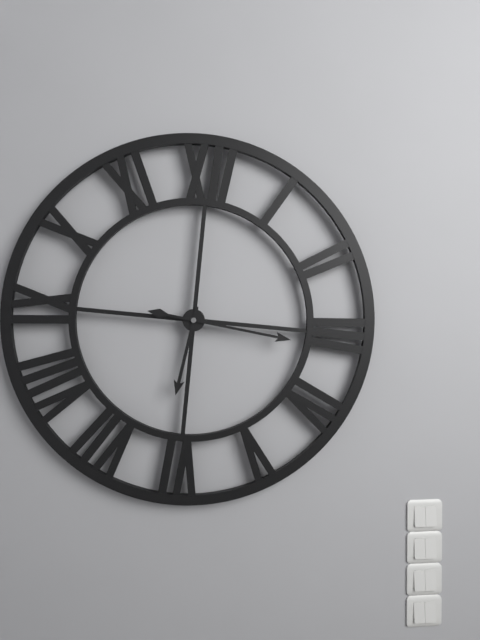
6:16
